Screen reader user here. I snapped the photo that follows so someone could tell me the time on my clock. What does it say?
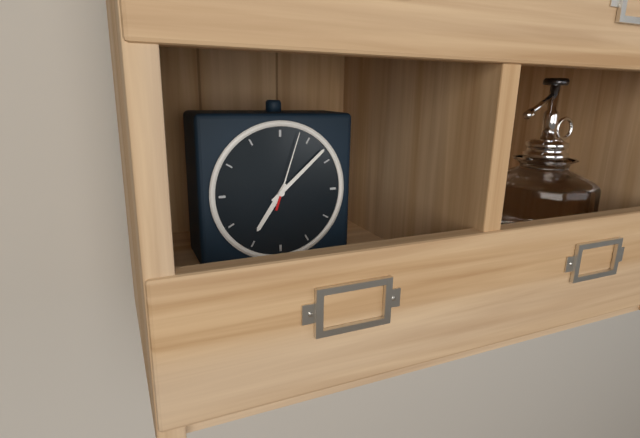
7:08:03
